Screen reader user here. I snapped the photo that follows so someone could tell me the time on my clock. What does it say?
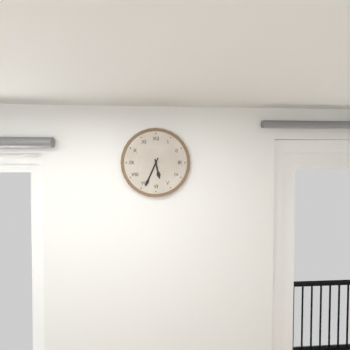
5:34
